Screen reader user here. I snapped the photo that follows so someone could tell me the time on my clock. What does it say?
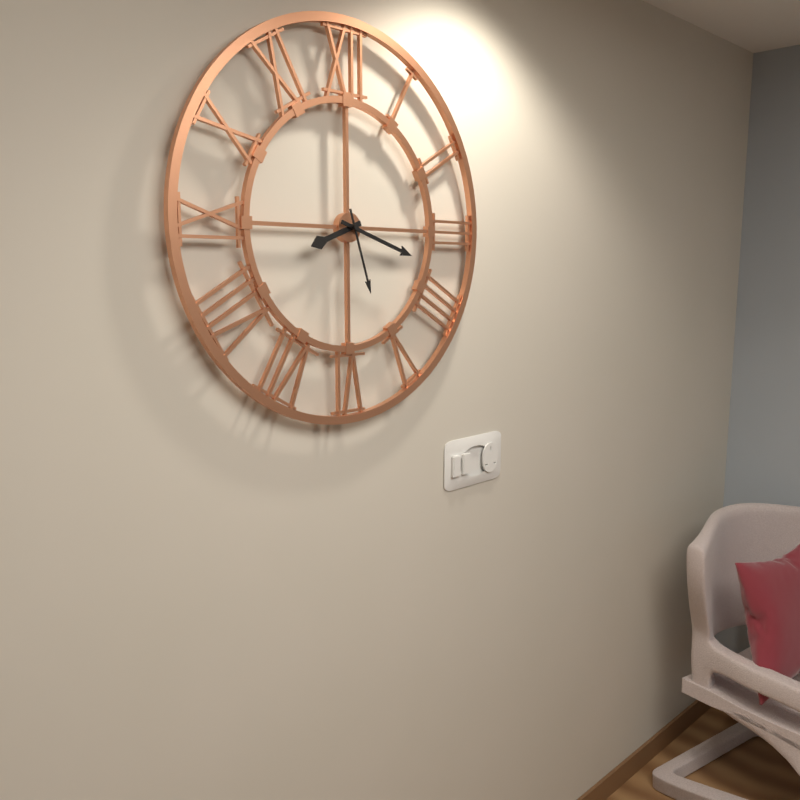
8:18:27
